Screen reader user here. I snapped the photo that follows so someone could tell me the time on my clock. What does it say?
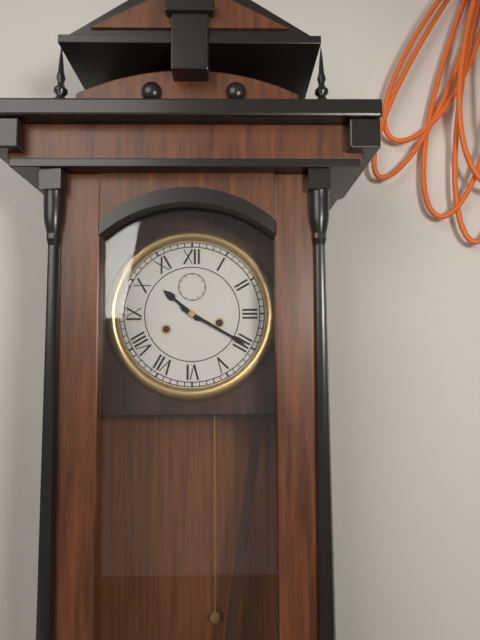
10:20
